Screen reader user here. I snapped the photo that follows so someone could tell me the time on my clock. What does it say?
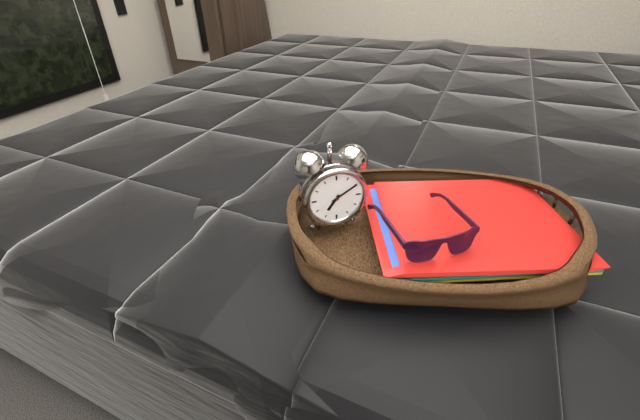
7:10
